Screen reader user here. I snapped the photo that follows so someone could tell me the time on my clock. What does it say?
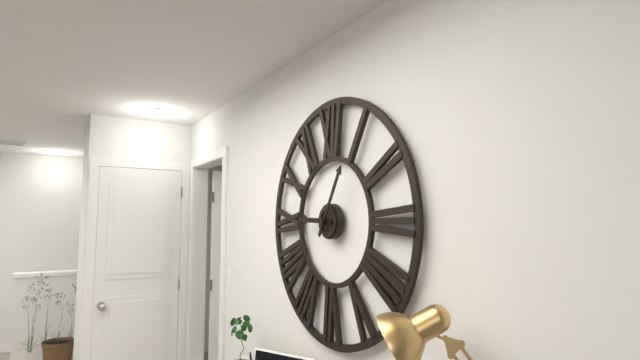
9:05
